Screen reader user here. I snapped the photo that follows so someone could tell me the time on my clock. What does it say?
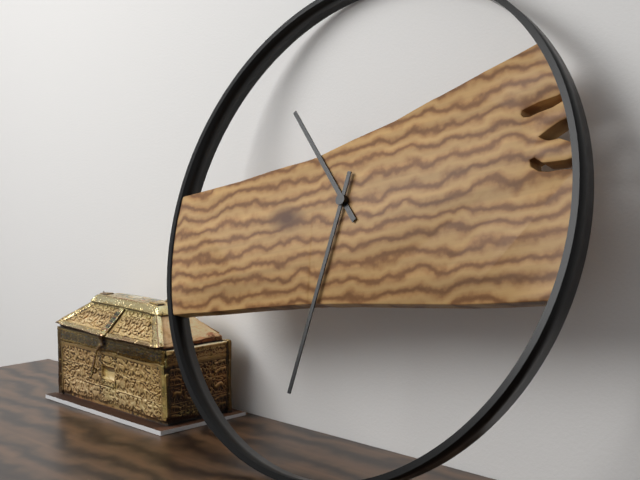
10:31
